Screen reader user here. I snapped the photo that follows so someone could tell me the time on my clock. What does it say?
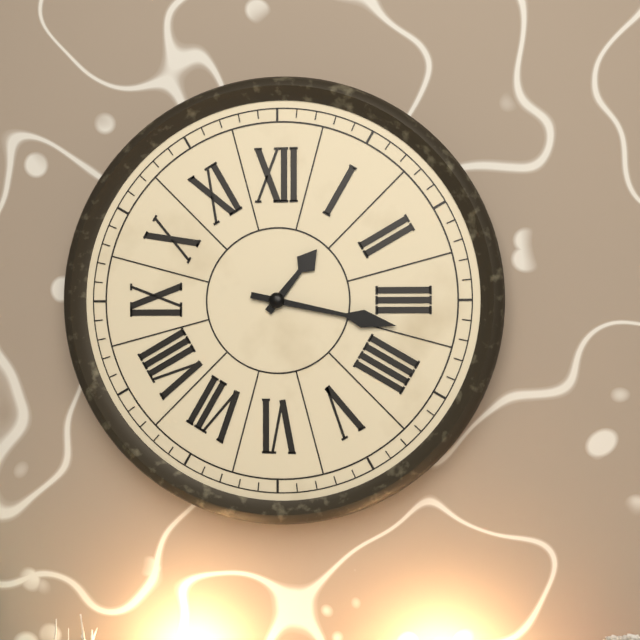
1:17
